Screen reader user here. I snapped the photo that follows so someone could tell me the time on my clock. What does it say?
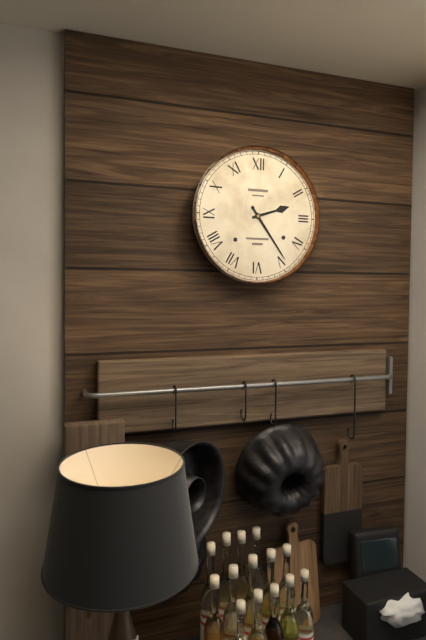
2:24
